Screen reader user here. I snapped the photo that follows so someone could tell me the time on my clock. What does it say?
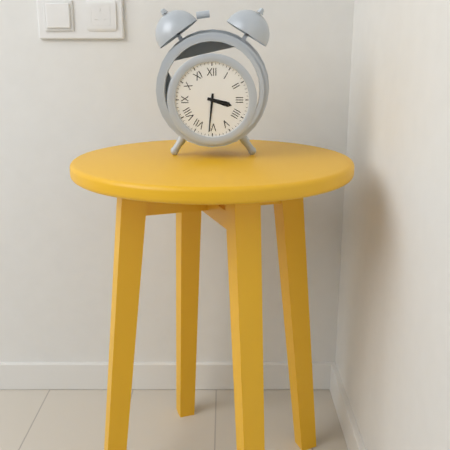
3:31
